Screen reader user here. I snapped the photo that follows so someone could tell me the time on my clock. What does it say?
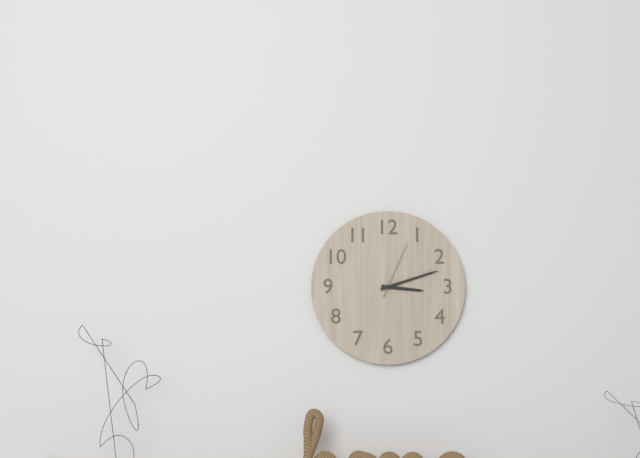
3:12:04
